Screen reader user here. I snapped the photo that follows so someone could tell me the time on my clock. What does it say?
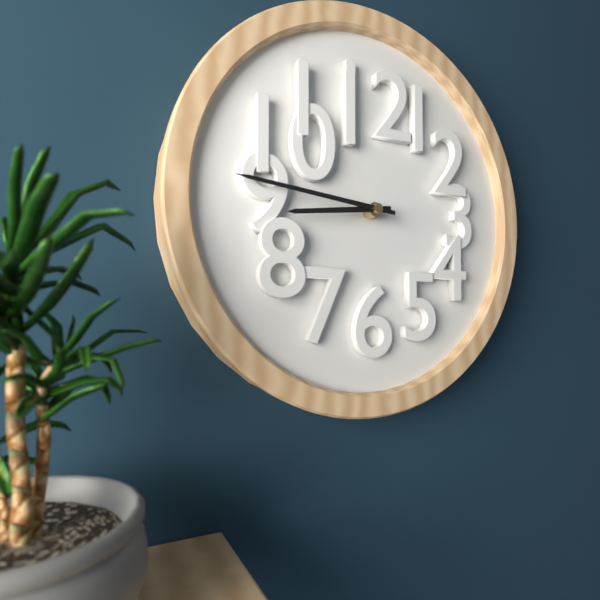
8:46
